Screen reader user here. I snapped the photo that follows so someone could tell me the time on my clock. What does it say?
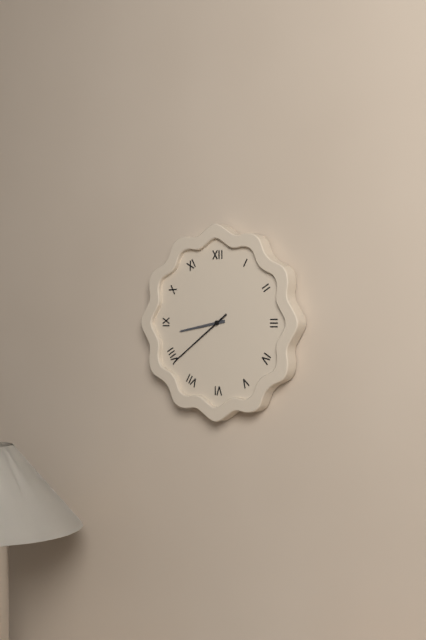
8:39
